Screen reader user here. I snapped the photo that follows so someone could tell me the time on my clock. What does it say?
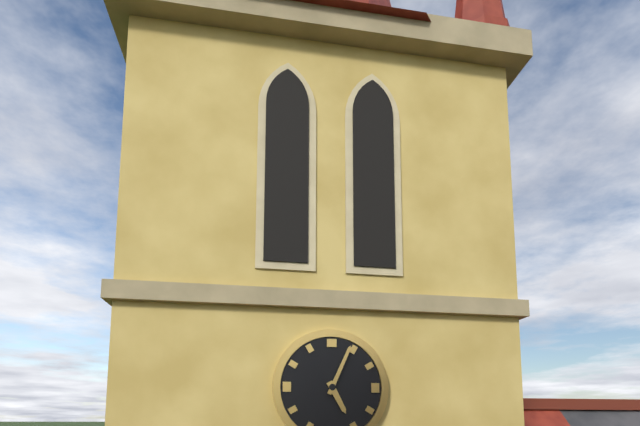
5:04
